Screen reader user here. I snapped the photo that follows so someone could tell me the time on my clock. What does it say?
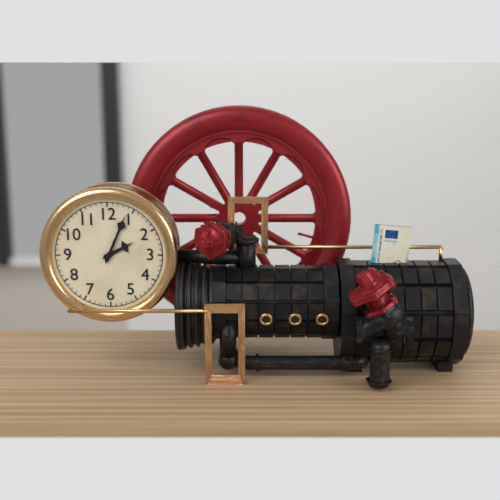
2:04
